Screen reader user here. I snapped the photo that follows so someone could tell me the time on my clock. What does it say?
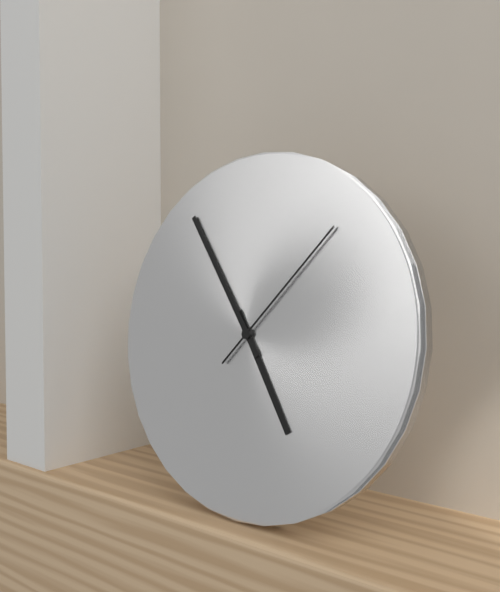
4:54:07
